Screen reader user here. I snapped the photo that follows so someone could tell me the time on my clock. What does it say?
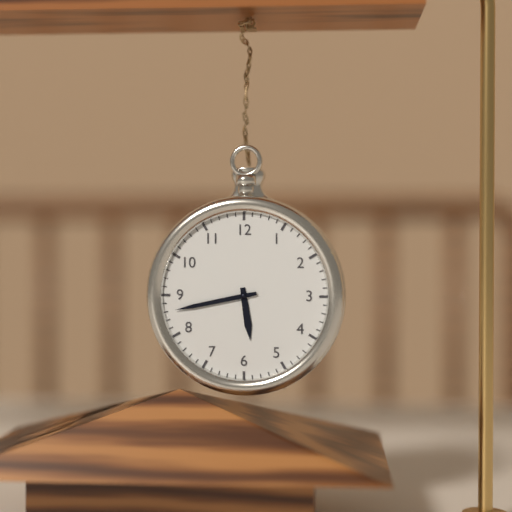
5:43
